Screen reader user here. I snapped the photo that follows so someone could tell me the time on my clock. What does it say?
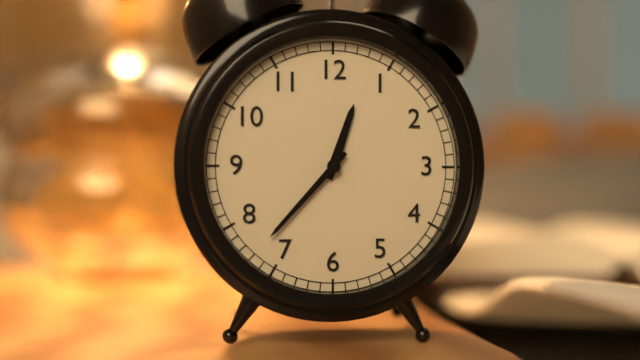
12:37
